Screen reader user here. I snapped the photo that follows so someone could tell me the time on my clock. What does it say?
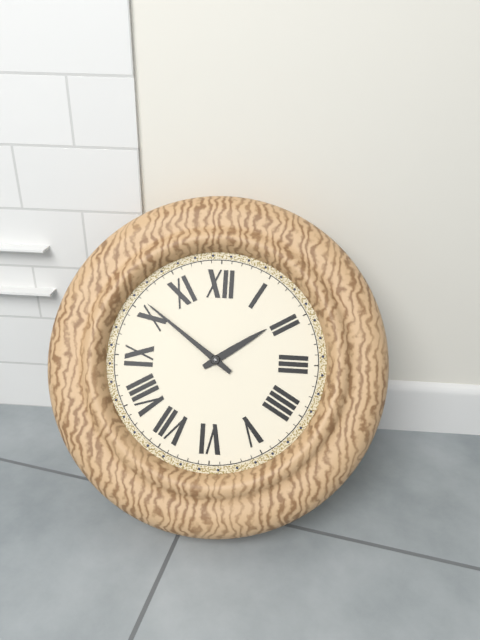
1:51
